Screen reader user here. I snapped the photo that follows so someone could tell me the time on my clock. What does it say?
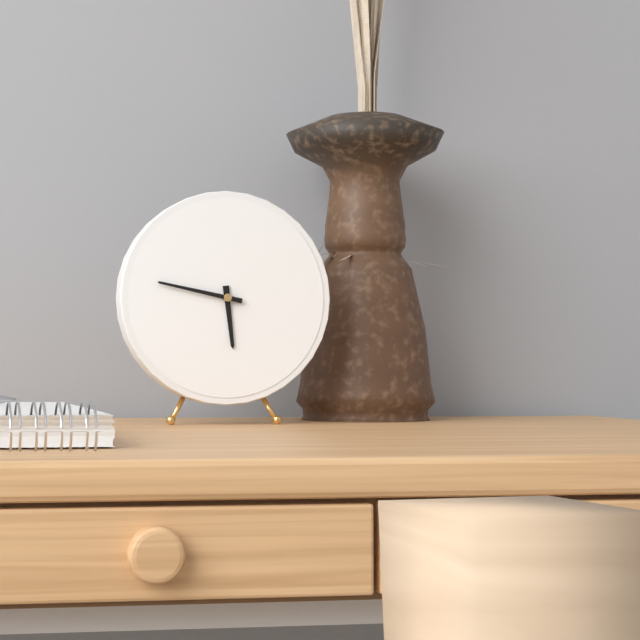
5:47
